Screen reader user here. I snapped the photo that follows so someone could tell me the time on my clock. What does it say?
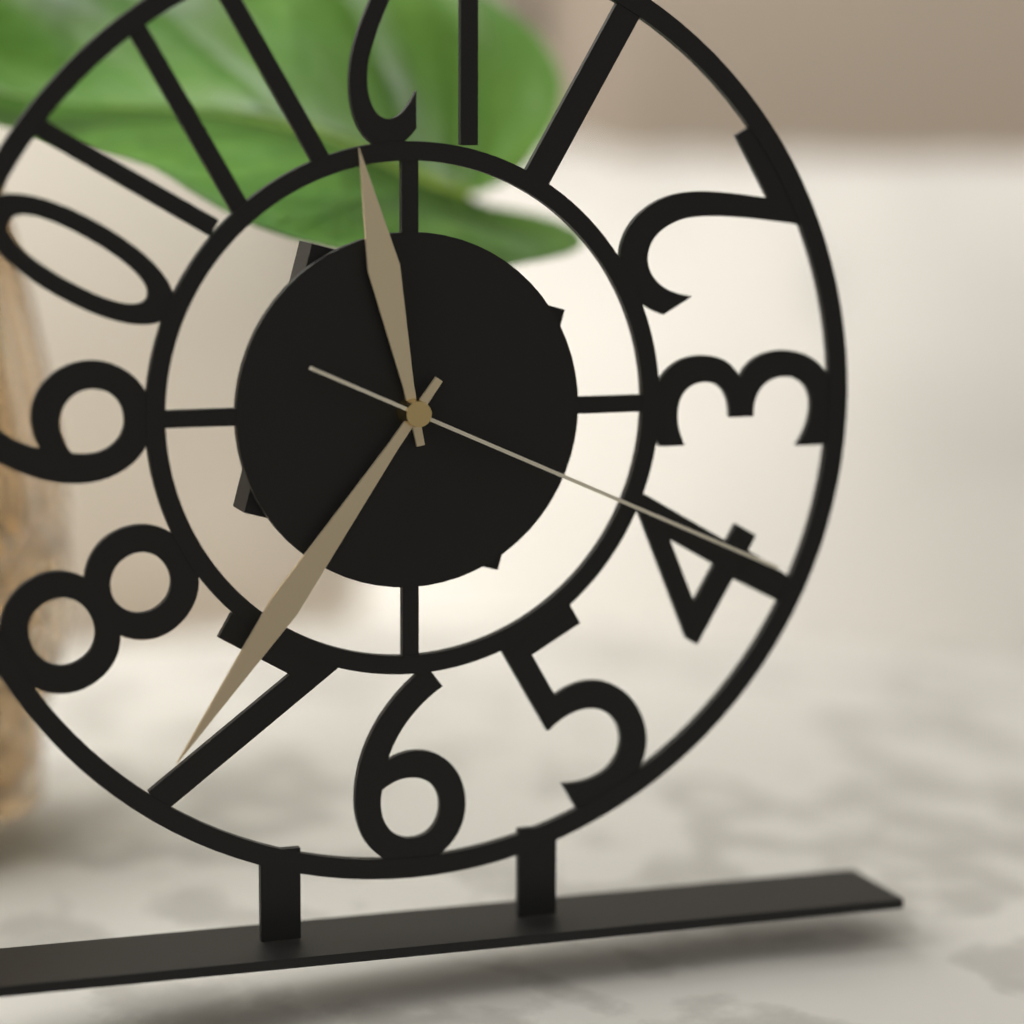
11:36:19
